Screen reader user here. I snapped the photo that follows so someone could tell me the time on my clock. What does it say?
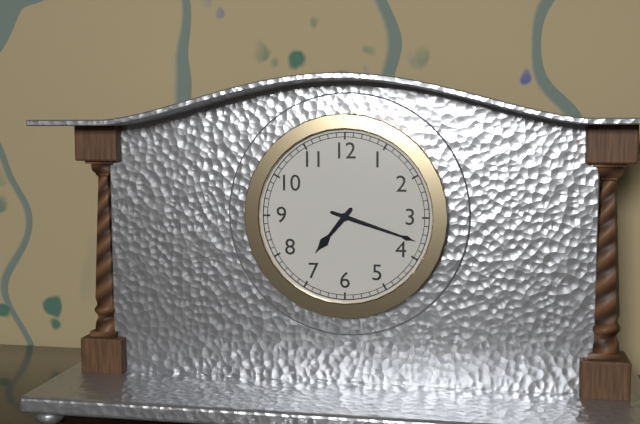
7:18
